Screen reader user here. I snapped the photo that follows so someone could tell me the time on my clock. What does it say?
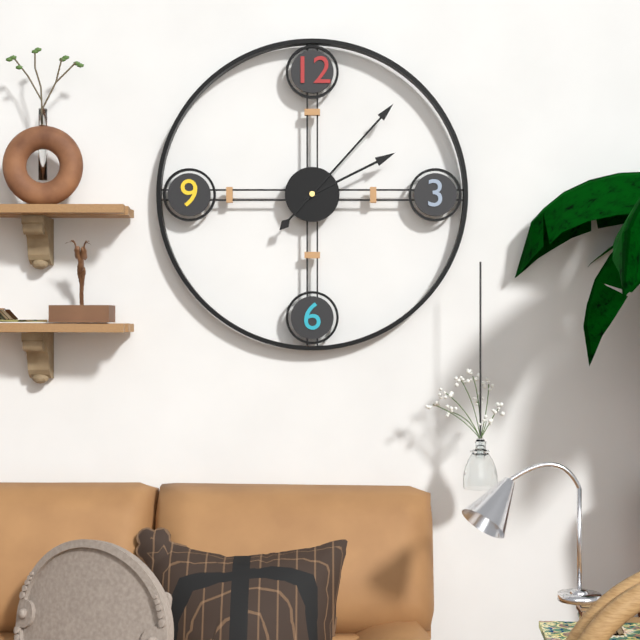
2:07
